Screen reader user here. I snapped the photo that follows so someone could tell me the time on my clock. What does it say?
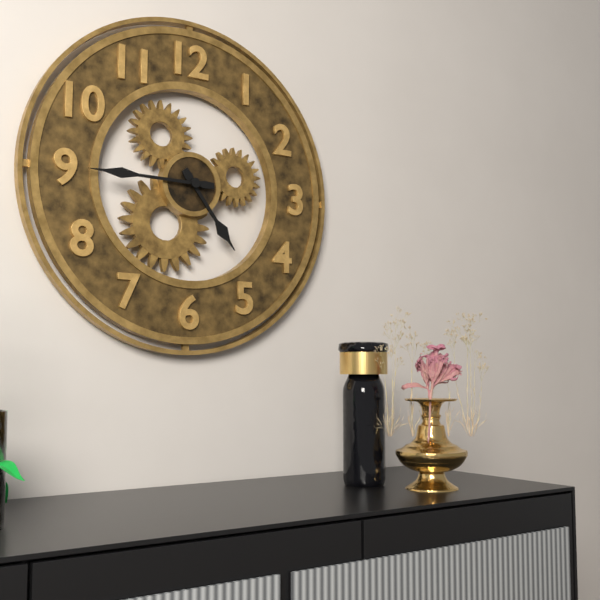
4:45
